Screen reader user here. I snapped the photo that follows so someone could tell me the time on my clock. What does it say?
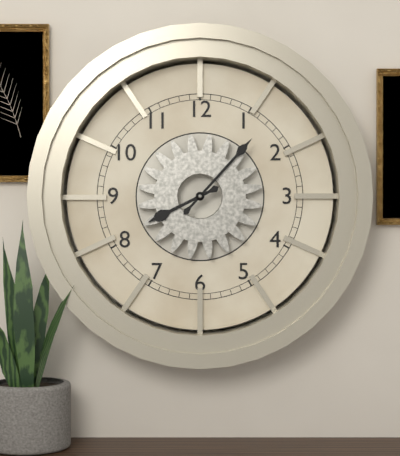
8:07
